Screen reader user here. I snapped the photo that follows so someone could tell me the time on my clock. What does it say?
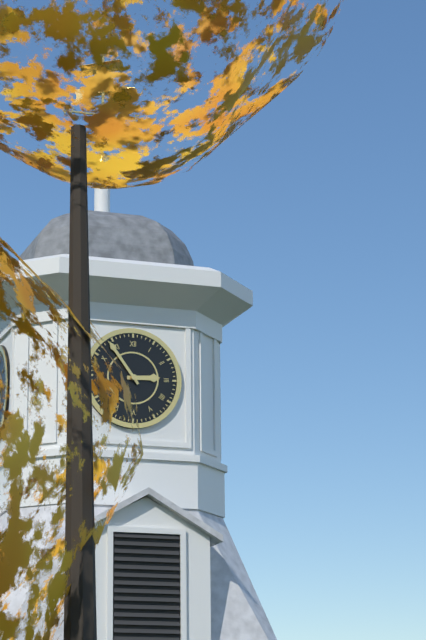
2:54
